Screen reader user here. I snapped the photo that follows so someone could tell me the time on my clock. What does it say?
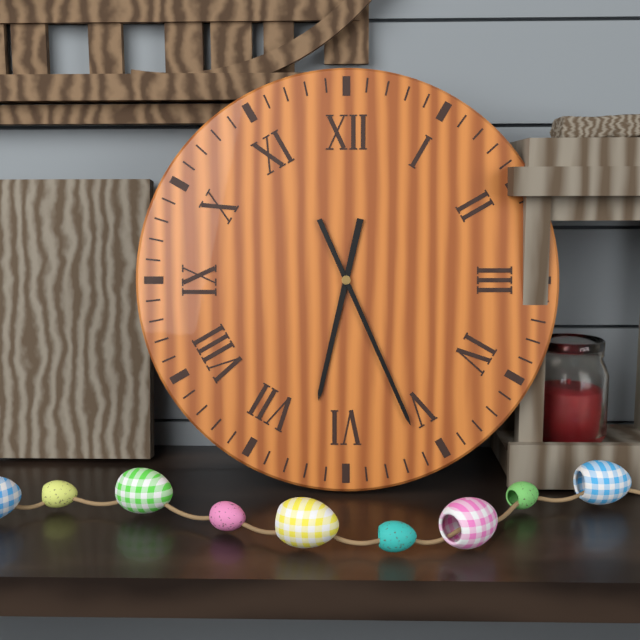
6:26
